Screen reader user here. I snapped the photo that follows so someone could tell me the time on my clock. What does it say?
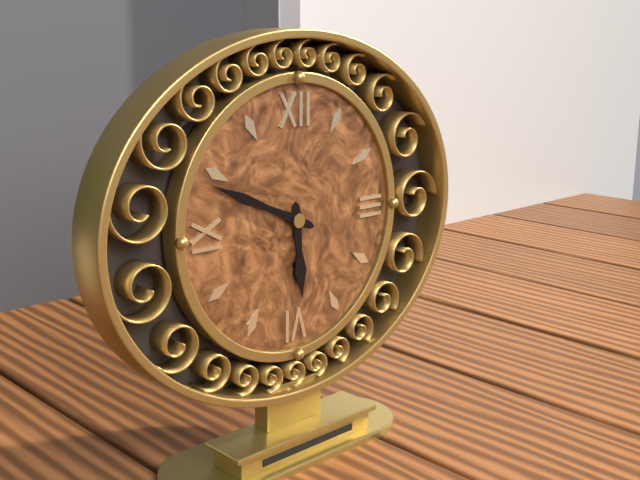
5:49
